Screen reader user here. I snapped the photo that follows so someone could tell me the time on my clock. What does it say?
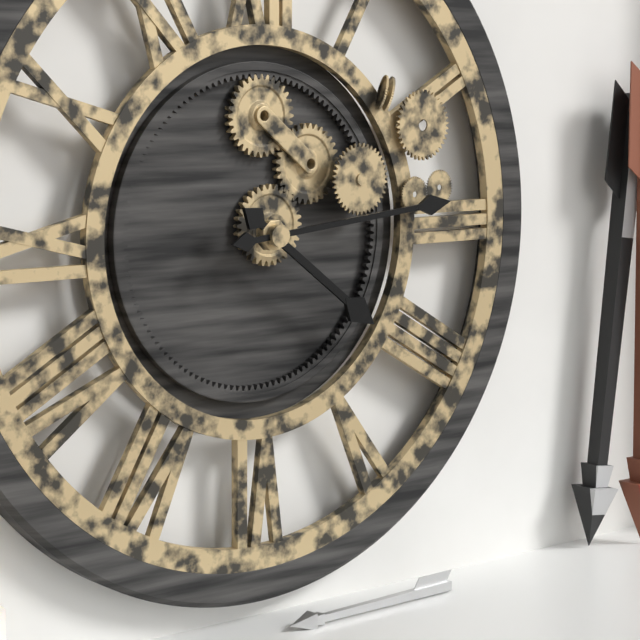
4:14
